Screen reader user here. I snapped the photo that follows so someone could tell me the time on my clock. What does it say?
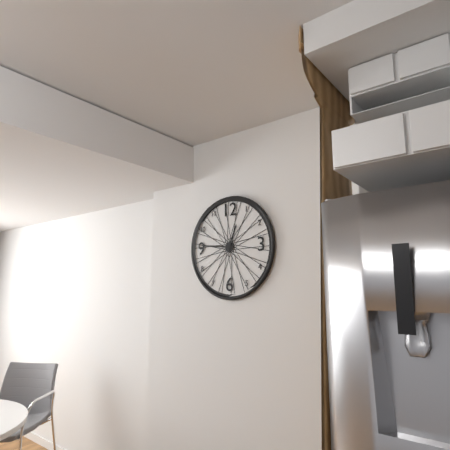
12:46
